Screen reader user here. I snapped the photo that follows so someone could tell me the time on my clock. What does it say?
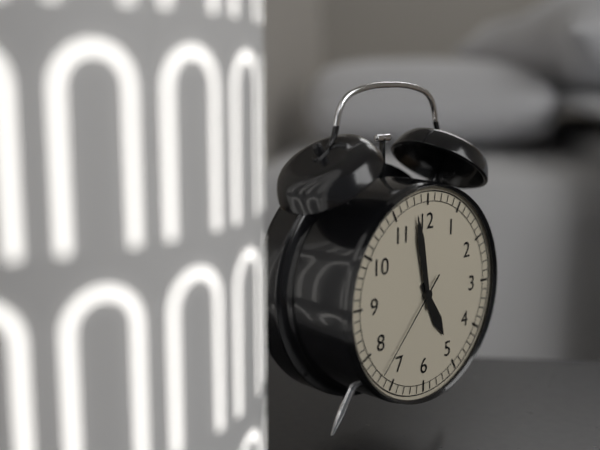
4:58:37
